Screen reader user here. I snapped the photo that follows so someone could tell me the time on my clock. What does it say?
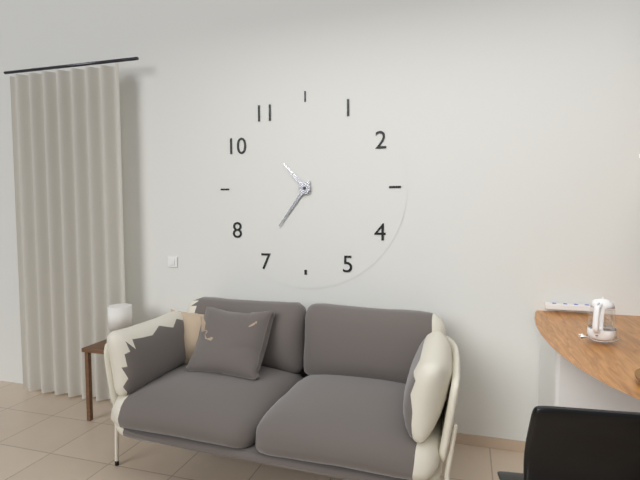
10:36
